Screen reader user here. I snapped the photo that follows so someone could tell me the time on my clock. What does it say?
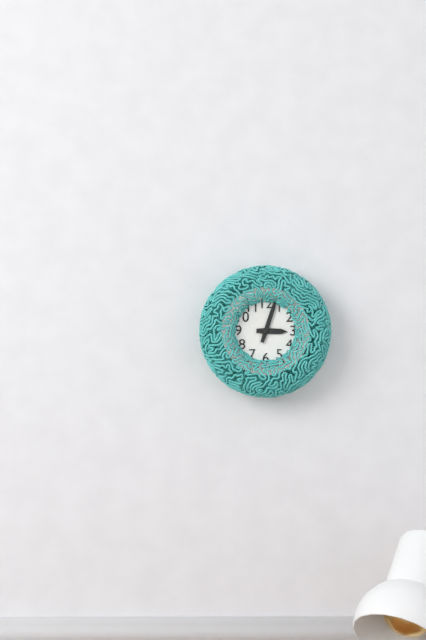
3:03
